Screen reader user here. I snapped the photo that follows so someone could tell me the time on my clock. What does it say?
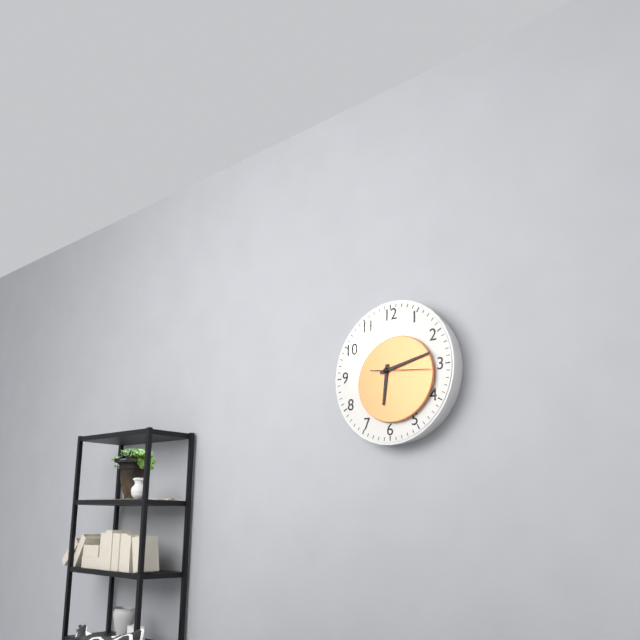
6:13:16
